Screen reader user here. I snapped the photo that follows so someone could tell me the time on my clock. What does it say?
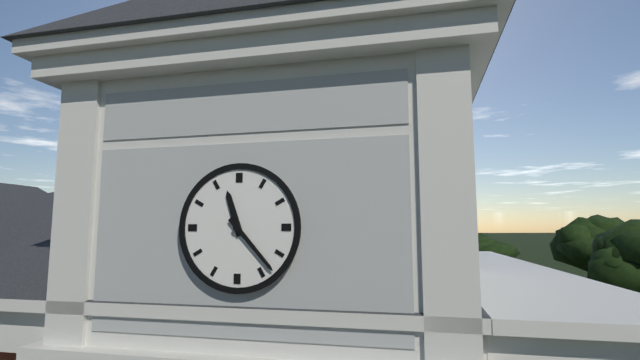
11:23
